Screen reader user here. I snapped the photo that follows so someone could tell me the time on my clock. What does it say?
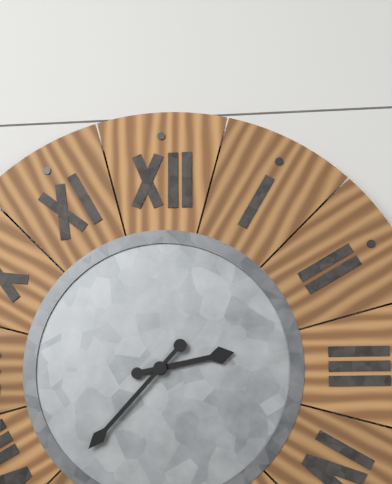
2:37
